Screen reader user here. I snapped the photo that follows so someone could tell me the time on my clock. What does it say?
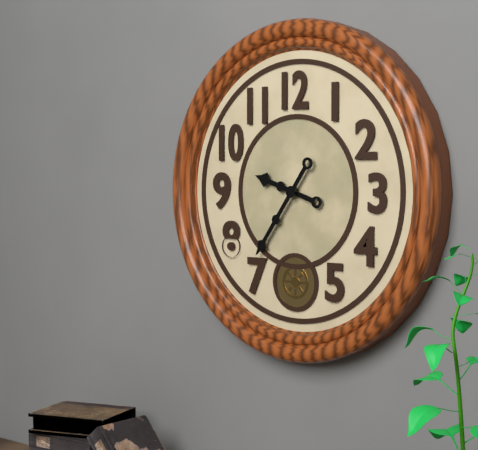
9:36
